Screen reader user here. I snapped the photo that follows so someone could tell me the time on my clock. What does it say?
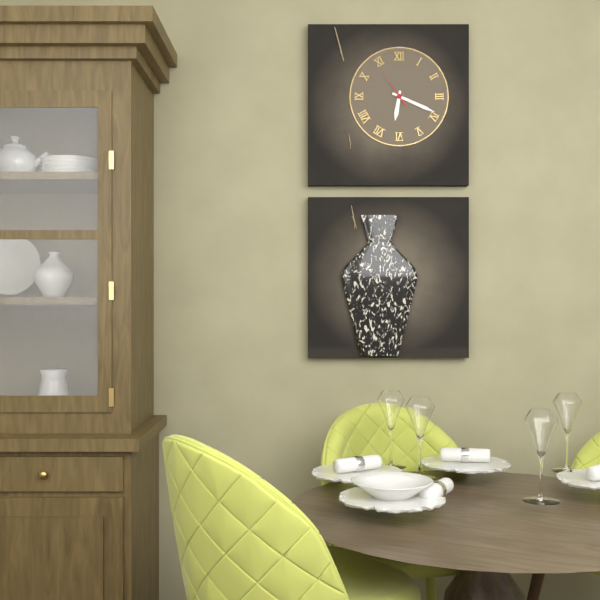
6:19
